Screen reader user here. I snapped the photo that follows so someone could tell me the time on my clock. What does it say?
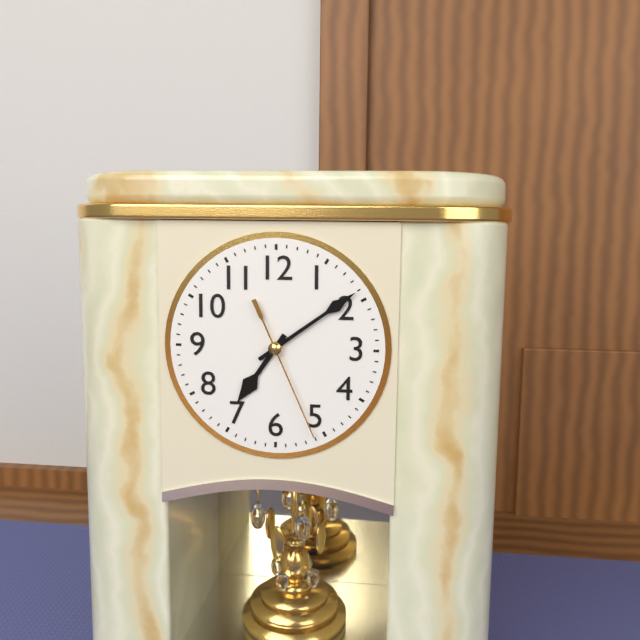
7:09:26
